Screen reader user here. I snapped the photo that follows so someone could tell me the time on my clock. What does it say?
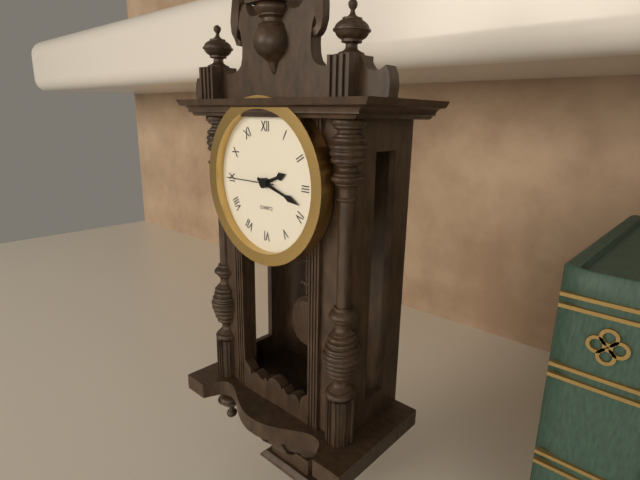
2:18
